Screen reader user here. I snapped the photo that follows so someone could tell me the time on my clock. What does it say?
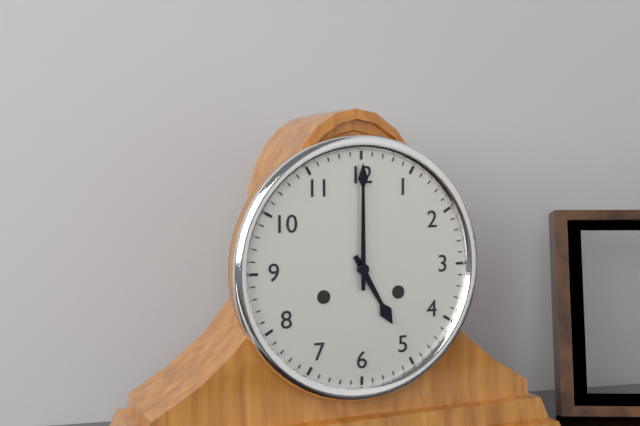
5:00
